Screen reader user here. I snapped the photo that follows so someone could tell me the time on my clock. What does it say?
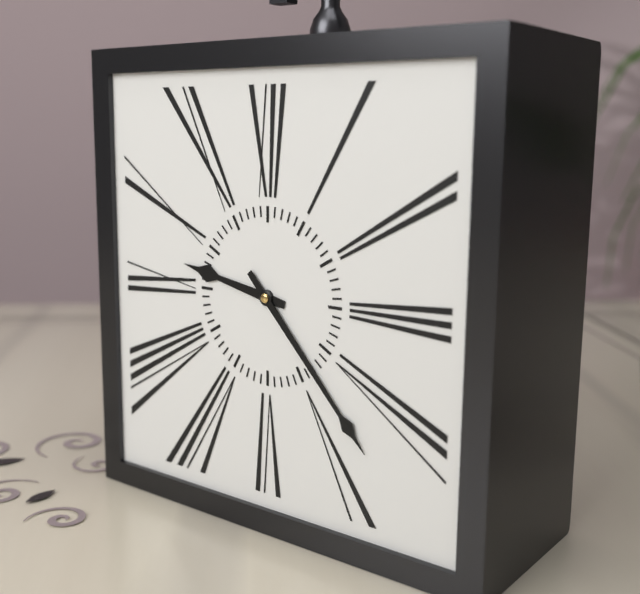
9:23
